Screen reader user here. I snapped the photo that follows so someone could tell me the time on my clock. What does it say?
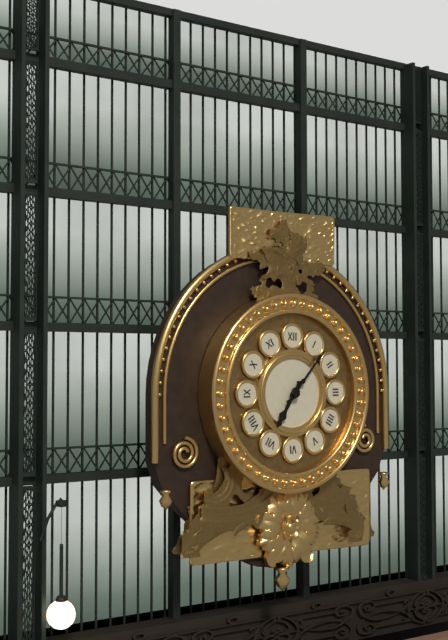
7:07
